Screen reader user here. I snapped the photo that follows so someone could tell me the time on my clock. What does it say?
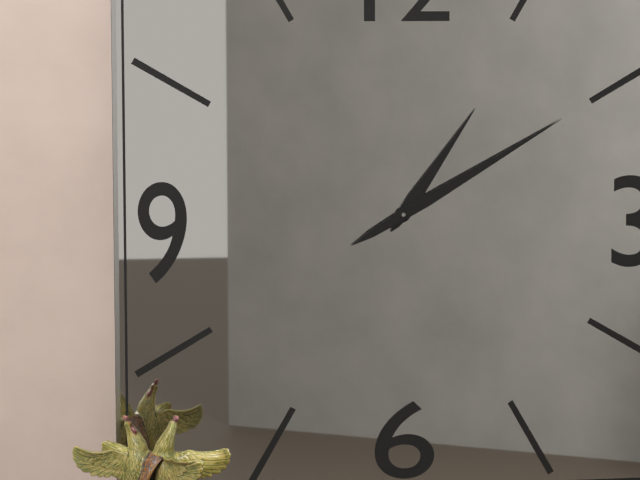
1:10
